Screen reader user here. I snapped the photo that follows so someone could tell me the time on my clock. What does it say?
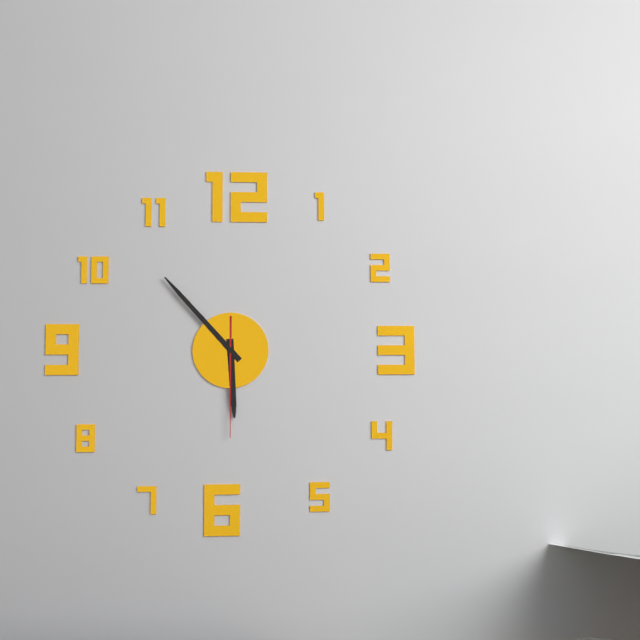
5:53:30
